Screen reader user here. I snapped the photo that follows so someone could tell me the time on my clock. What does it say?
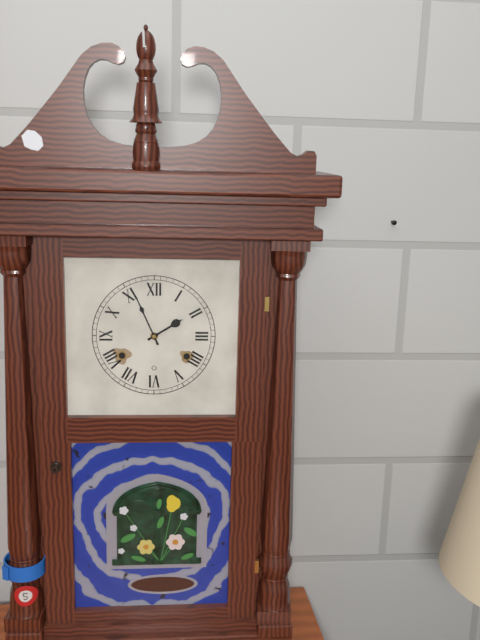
1:56
